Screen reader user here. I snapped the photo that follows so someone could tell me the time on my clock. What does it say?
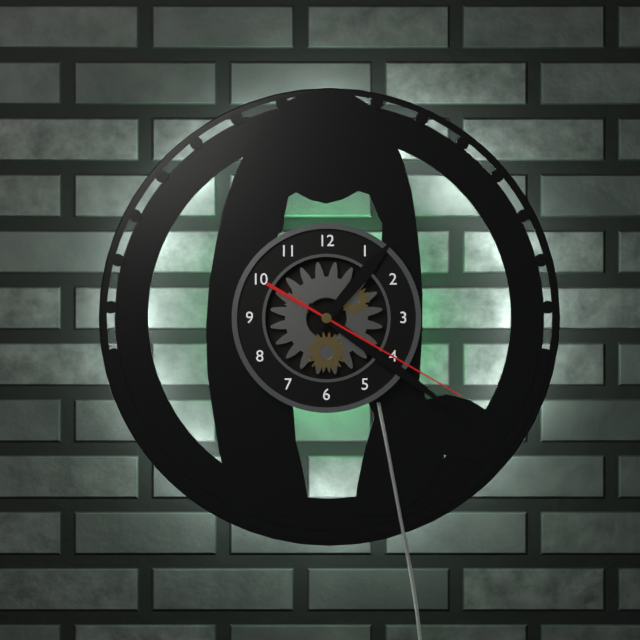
1:21:20
